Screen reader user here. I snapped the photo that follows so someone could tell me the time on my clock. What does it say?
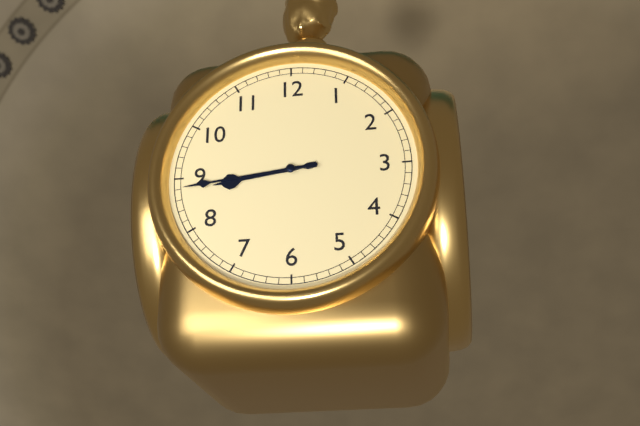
8:44
